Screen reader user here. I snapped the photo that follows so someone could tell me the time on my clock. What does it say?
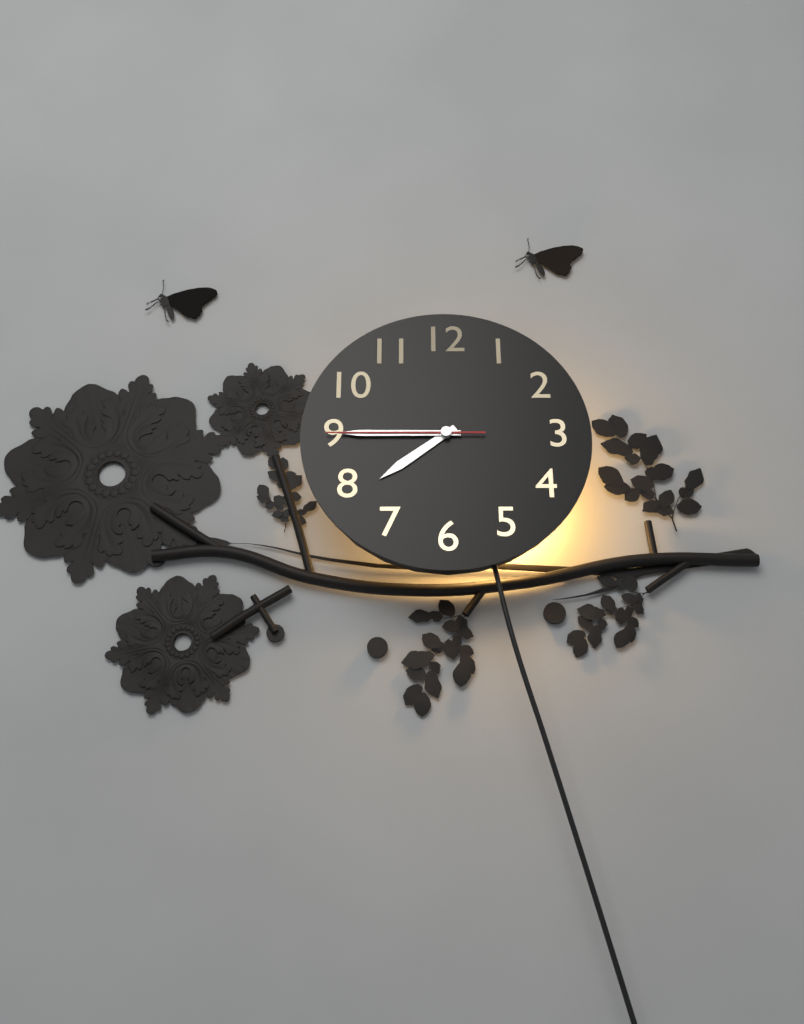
7:45:45
